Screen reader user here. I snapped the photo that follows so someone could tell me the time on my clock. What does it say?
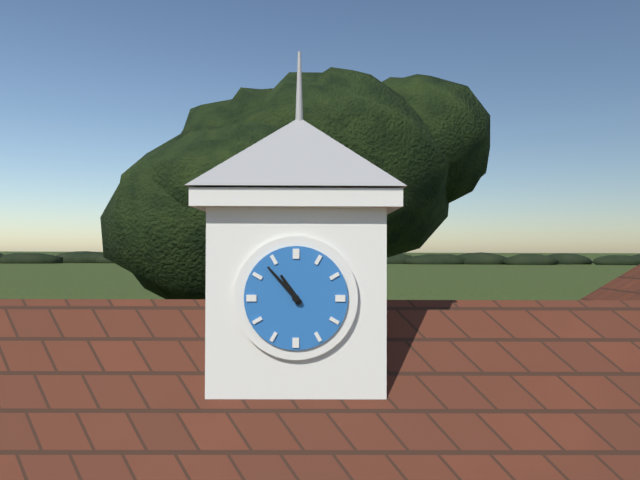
10:53
